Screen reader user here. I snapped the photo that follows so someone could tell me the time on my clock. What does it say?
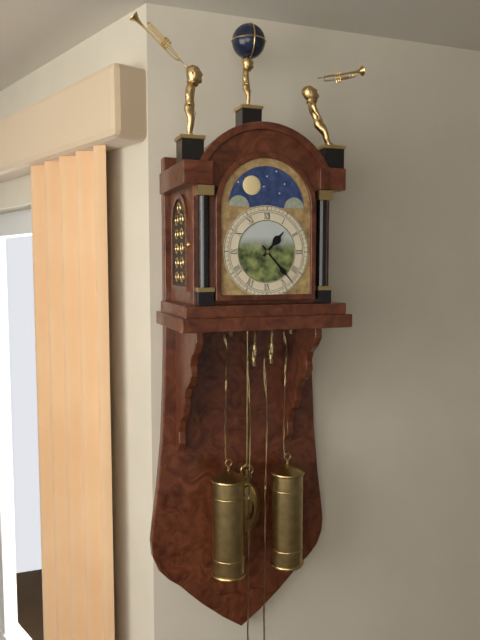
1:23
